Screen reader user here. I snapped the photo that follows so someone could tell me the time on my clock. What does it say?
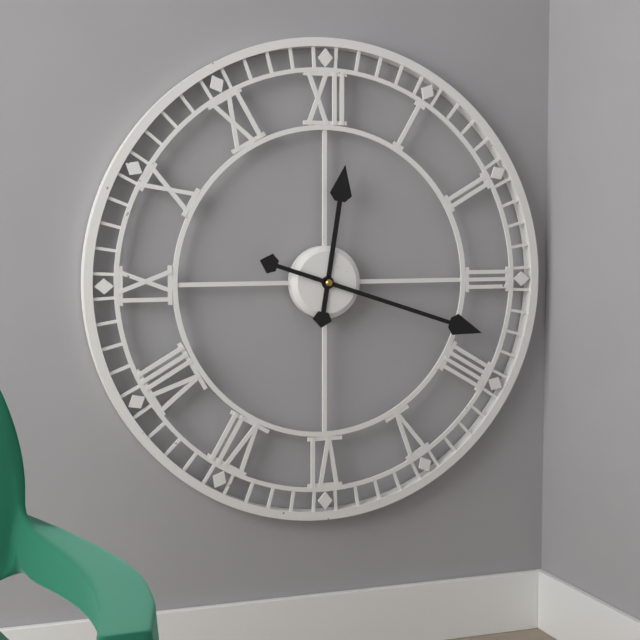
12:18
